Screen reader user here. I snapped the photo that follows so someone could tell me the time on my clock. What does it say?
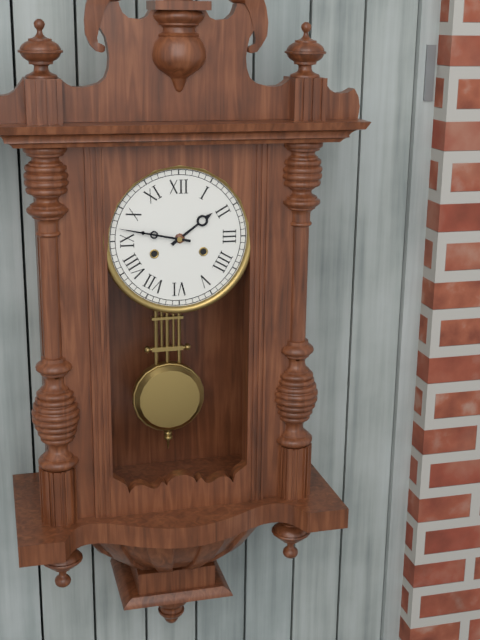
1:47
